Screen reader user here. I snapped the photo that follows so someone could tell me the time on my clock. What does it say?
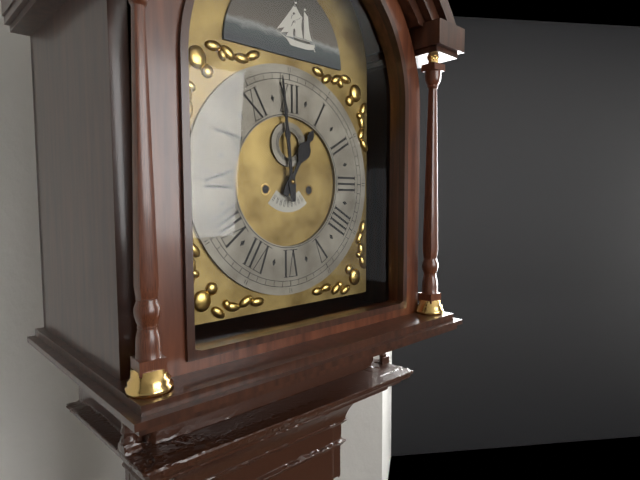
12:59
